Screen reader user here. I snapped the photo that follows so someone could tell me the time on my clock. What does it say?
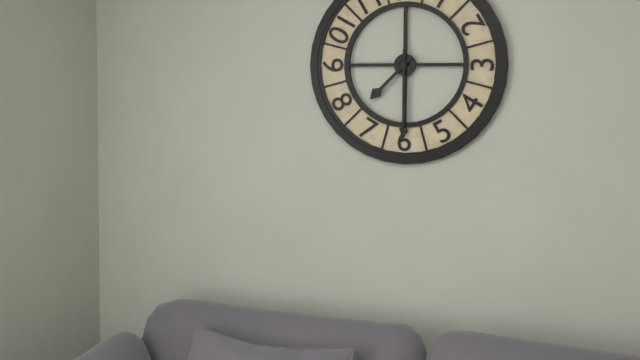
7:30
